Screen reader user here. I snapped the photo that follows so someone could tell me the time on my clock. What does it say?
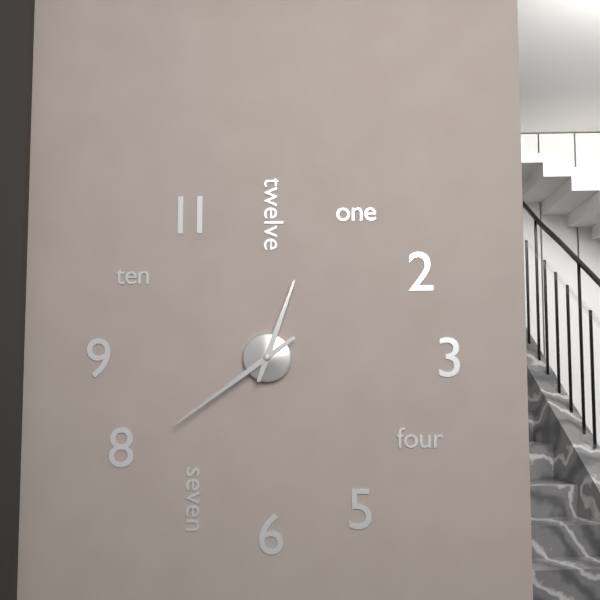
12:39
